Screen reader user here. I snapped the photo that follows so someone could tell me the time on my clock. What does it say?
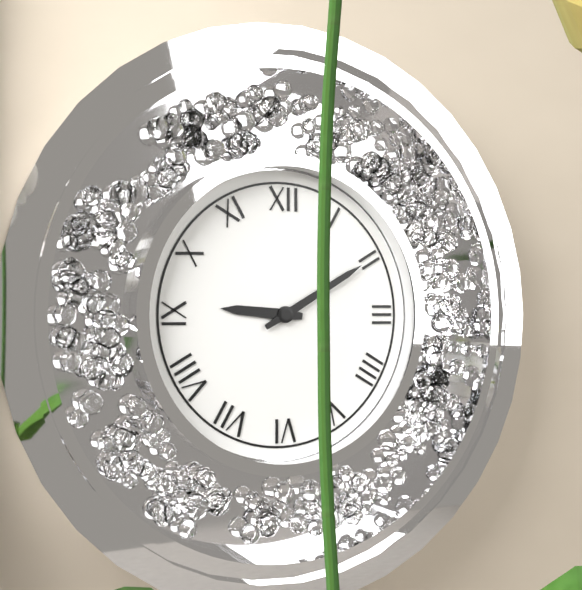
9:10
